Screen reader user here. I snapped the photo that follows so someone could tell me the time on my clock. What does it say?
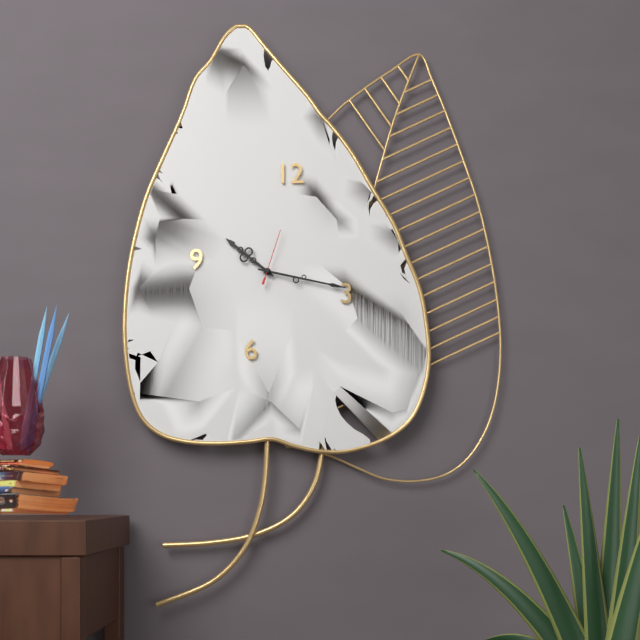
10:17:03
